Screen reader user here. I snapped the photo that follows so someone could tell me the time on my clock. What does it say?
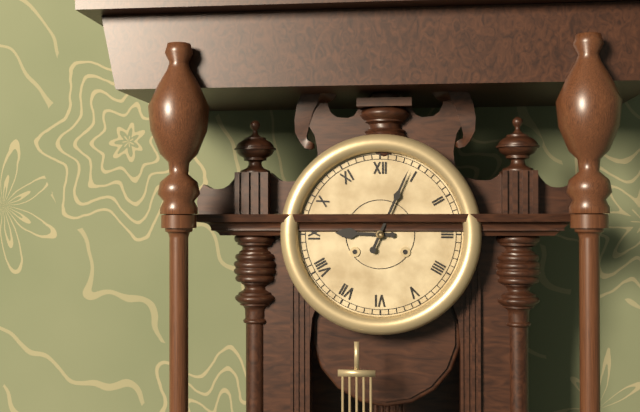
9:04
